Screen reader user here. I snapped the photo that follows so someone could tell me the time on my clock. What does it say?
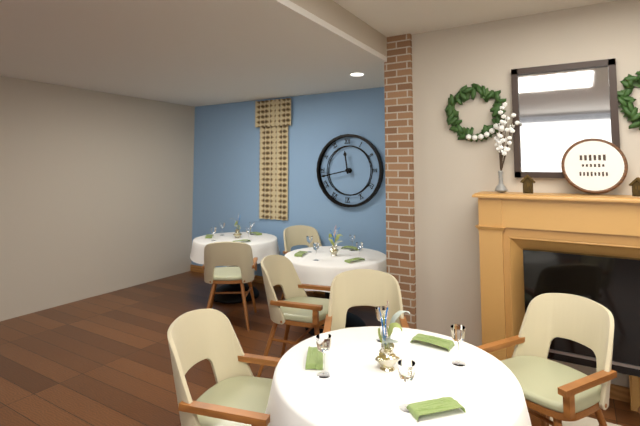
11:43
